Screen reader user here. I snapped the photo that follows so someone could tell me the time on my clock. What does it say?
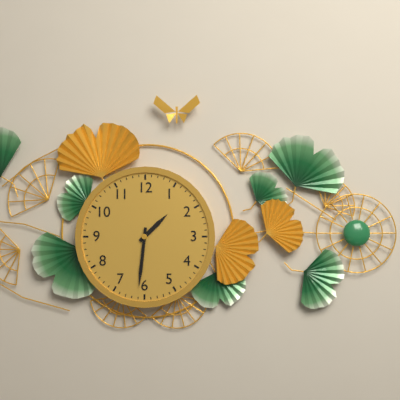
1:31
